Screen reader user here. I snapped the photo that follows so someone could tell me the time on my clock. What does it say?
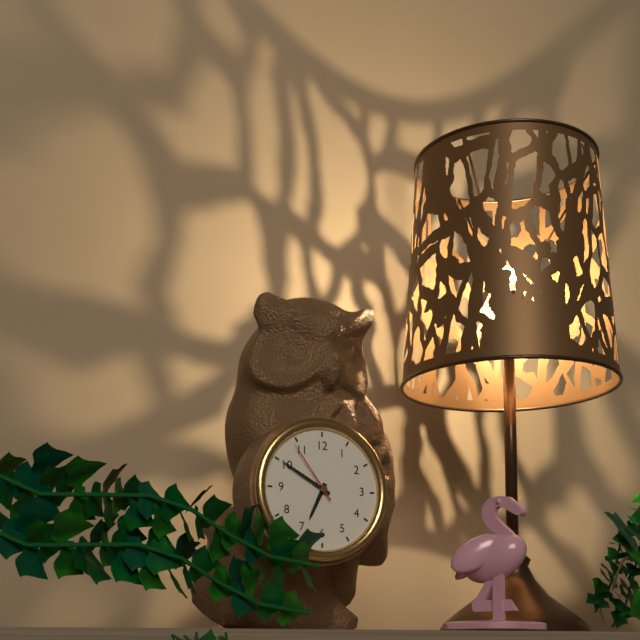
6:50:54
